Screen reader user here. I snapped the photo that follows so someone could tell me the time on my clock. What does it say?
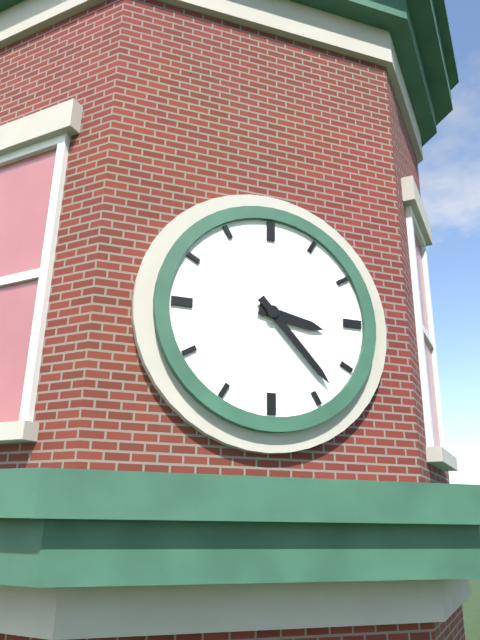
3:23
